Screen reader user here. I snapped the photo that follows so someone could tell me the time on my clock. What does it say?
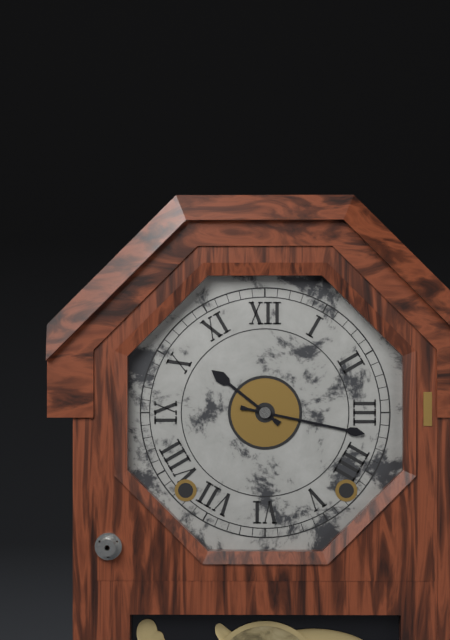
10:17
